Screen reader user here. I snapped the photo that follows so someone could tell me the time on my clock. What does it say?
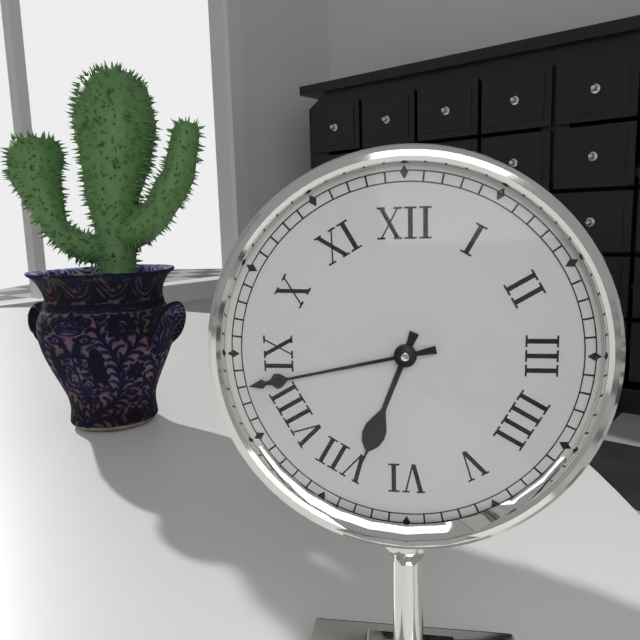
6:43
